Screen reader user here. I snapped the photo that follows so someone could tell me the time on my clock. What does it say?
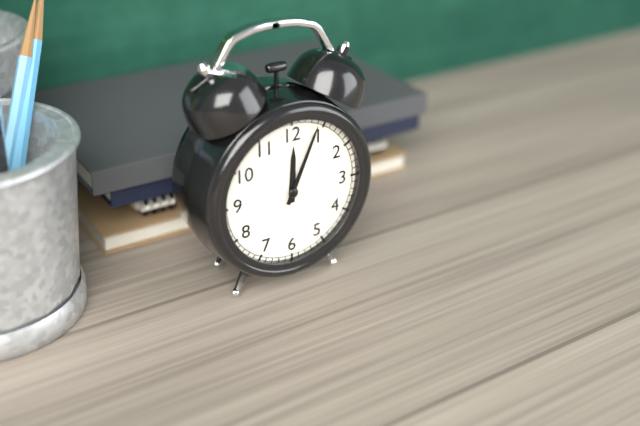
12:04
